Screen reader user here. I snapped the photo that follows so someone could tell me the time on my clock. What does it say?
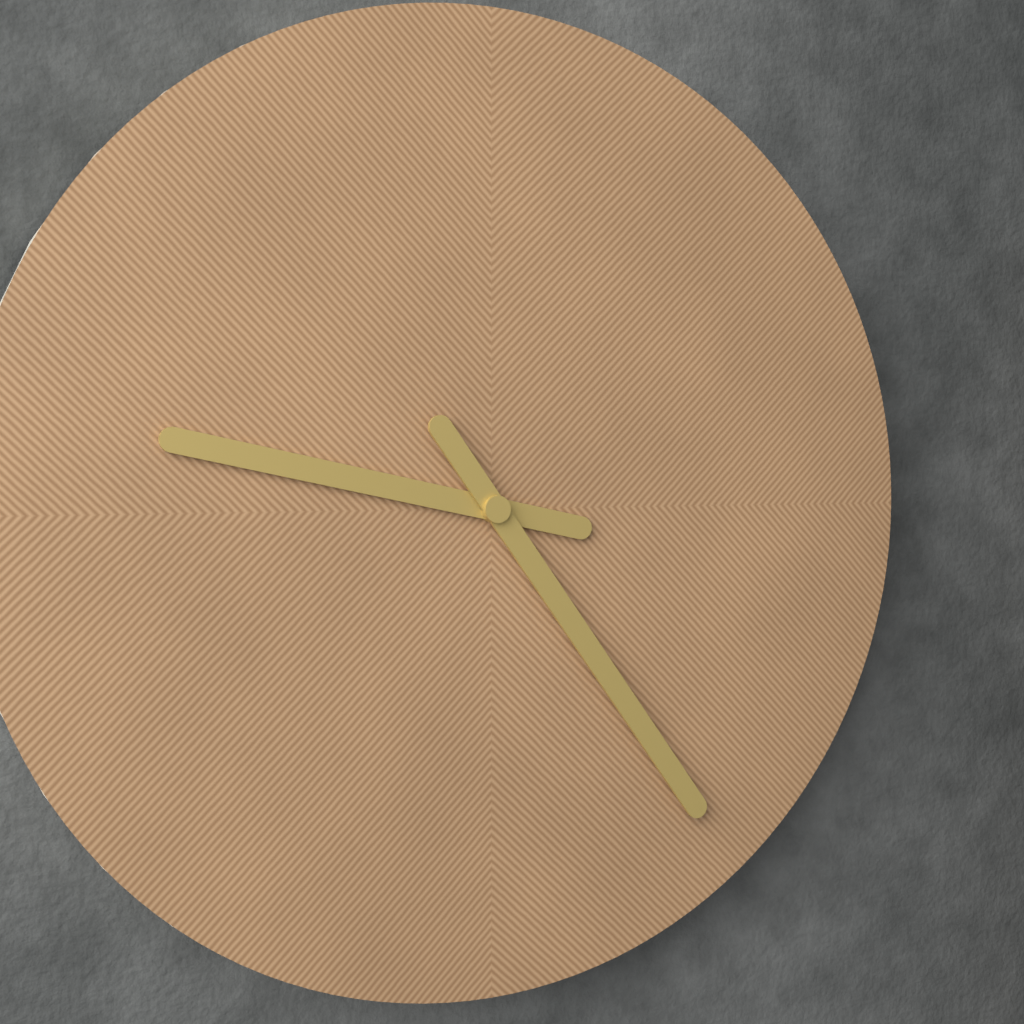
9:24
